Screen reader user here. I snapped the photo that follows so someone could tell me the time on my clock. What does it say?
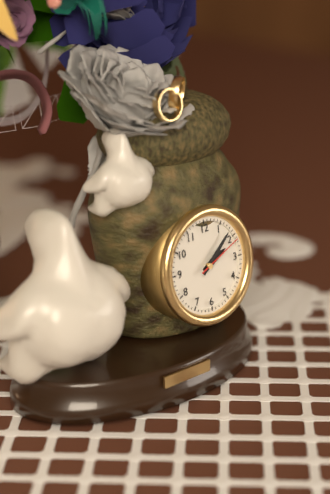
2:08:11
